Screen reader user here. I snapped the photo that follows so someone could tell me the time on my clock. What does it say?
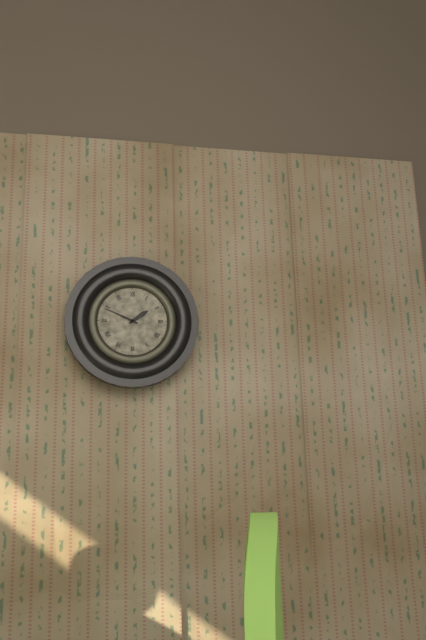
1:49
